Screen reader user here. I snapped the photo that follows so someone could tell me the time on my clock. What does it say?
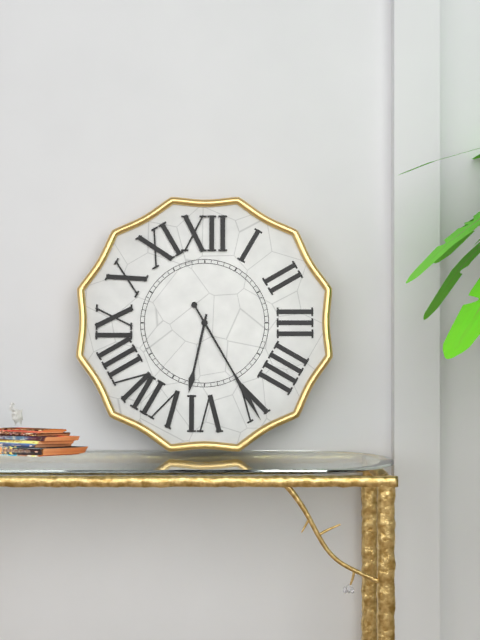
6:25
